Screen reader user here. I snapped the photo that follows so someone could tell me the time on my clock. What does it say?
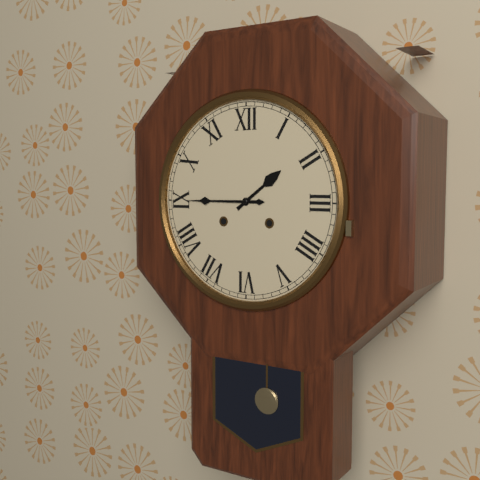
1:45
